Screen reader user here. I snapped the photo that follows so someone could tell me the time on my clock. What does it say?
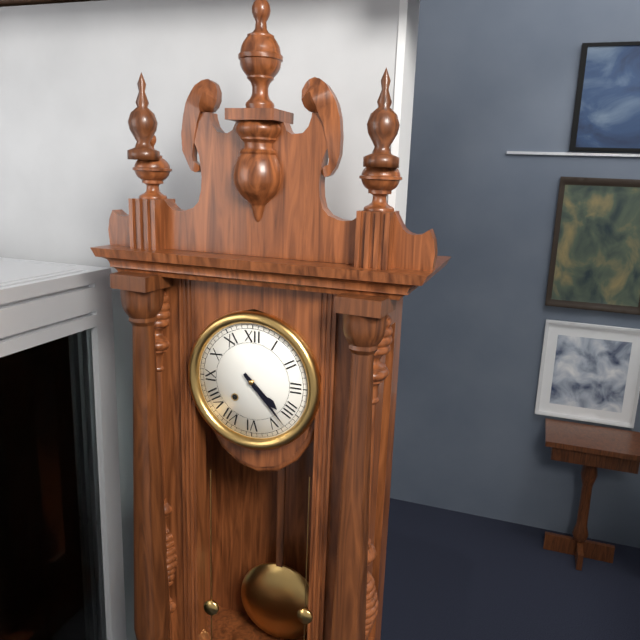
4:23
